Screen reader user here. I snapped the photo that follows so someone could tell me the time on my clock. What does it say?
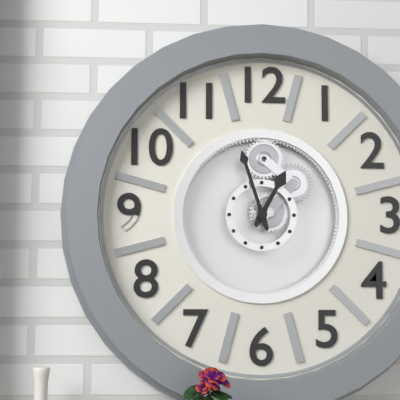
12:57
